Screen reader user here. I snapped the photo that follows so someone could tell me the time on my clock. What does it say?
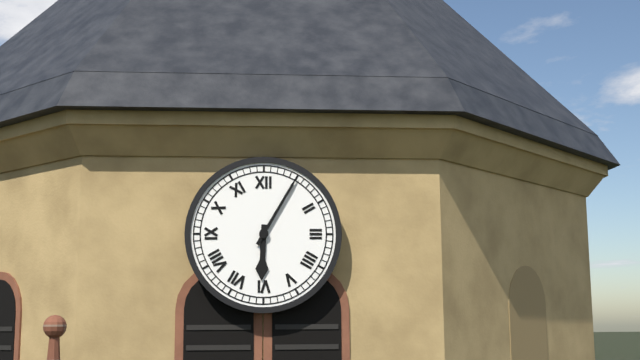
6:05
